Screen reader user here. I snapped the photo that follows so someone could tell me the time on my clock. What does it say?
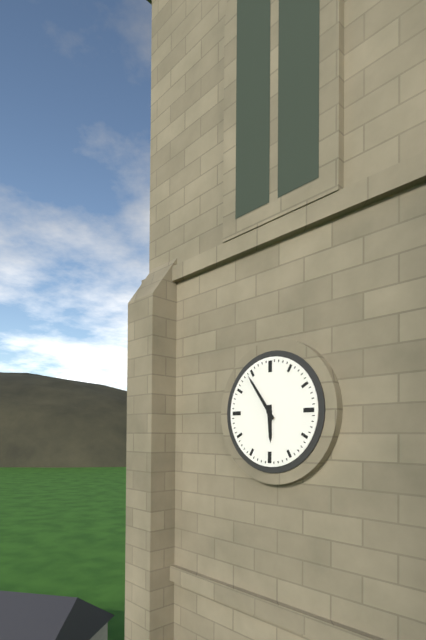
5:54
